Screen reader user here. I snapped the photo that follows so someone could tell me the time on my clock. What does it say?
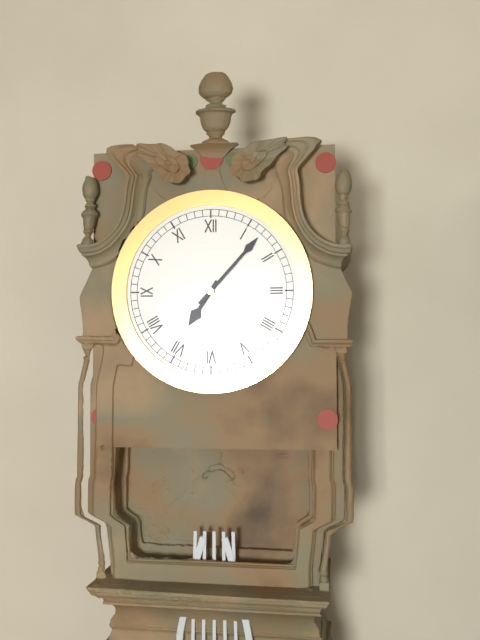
7:07
